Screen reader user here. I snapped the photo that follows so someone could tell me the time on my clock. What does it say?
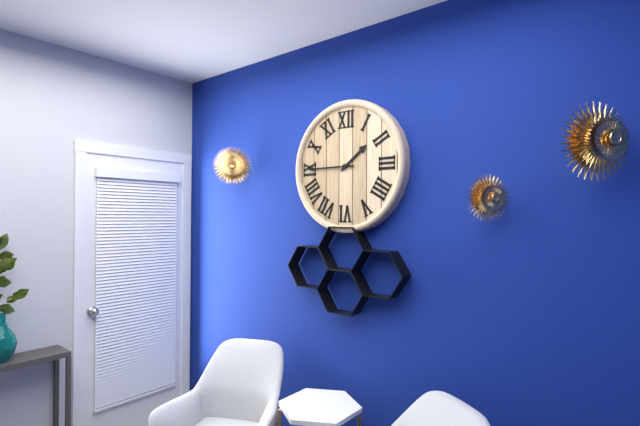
1:45
